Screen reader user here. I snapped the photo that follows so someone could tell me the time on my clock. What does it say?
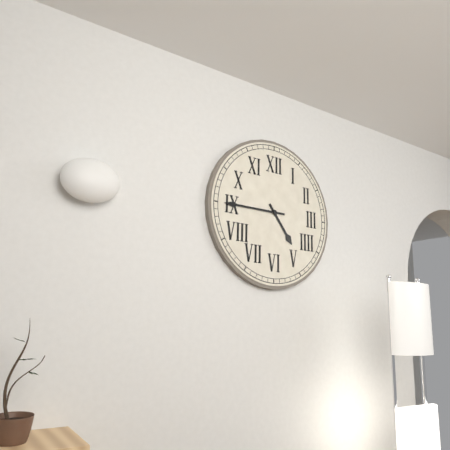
4:45
